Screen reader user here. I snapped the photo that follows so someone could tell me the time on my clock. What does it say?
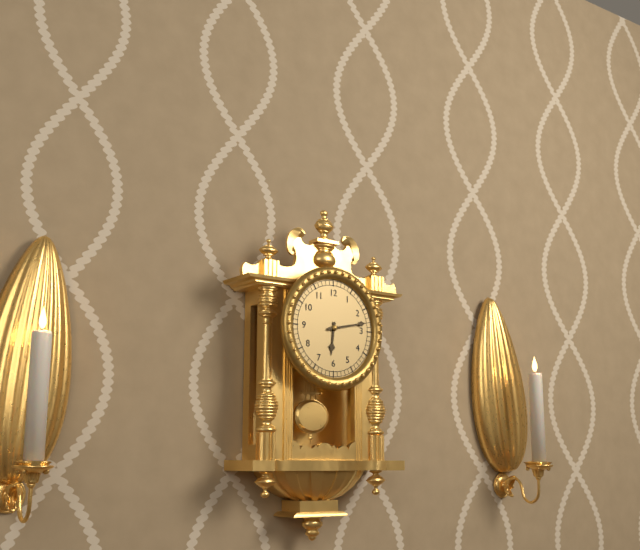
6:13
